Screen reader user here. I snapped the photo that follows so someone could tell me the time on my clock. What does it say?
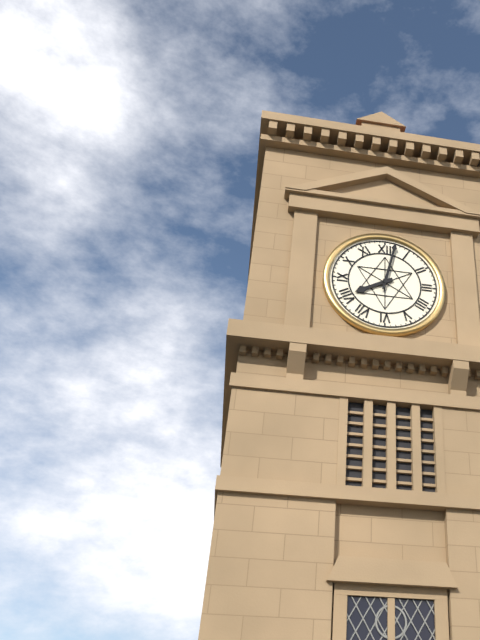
8:02
